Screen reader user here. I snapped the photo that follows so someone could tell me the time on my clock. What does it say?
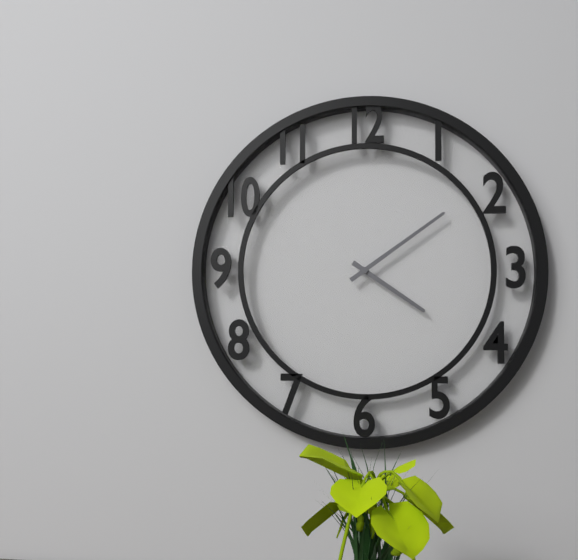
4:09
